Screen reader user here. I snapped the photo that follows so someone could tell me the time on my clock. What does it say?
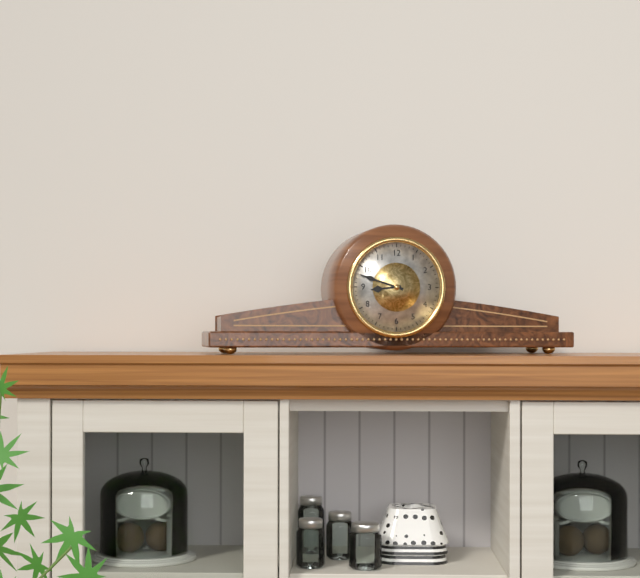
8:48
